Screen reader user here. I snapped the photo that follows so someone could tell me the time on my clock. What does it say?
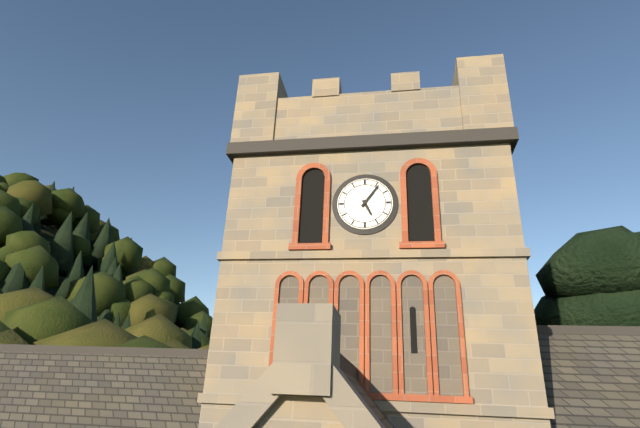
5:06
